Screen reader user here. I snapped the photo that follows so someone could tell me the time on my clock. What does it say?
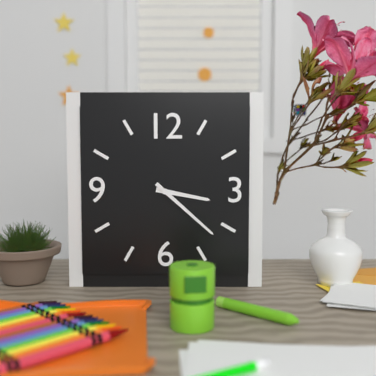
3:22
